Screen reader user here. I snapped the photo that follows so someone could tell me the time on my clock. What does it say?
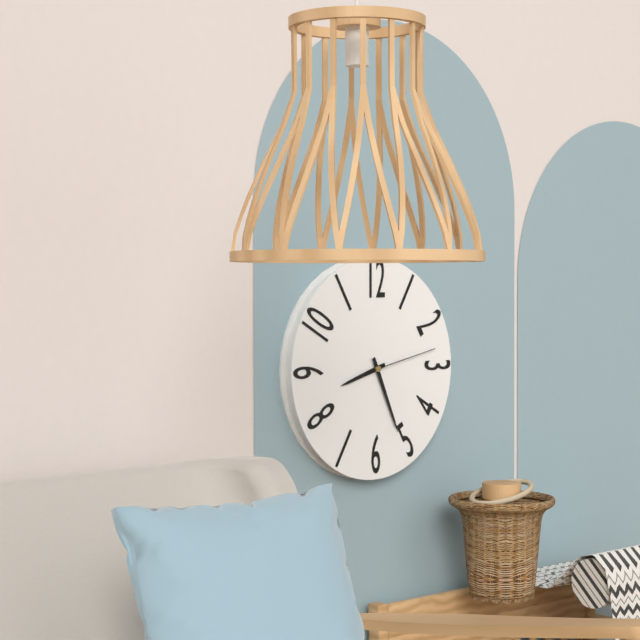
8:26:13
